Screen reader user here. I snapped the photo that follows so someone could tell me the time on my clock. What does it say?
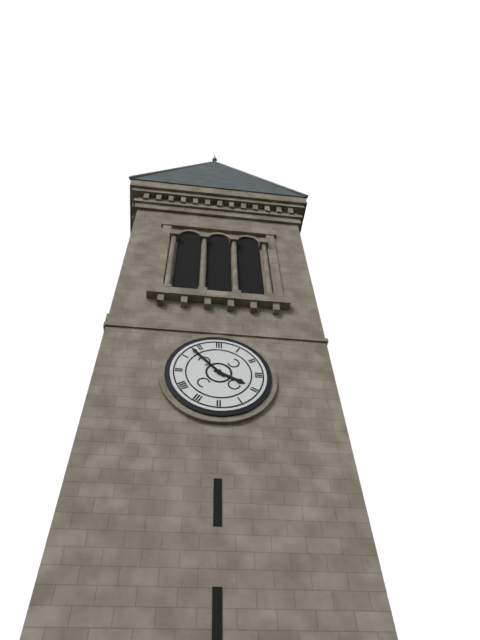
3:53
